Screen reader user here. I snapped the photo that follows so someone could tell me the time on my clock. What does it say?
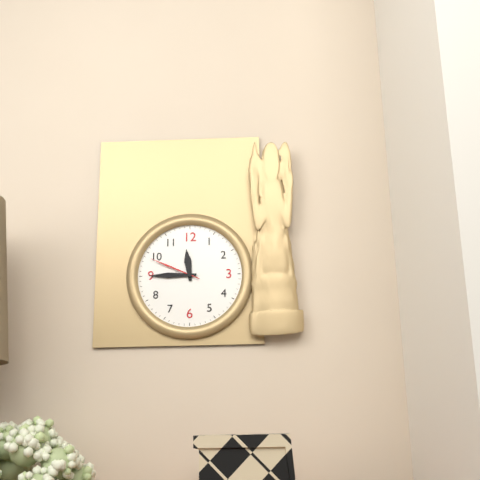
11:45:49
